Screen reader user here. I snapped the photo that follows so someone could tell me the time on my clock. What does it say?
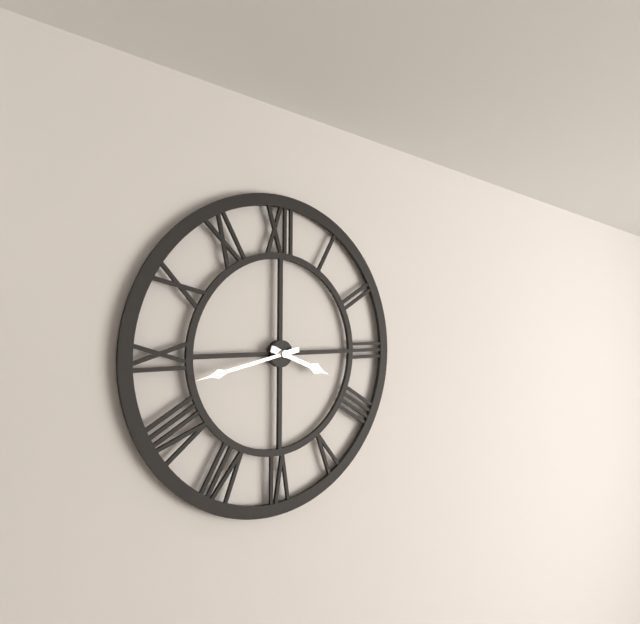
3:43
